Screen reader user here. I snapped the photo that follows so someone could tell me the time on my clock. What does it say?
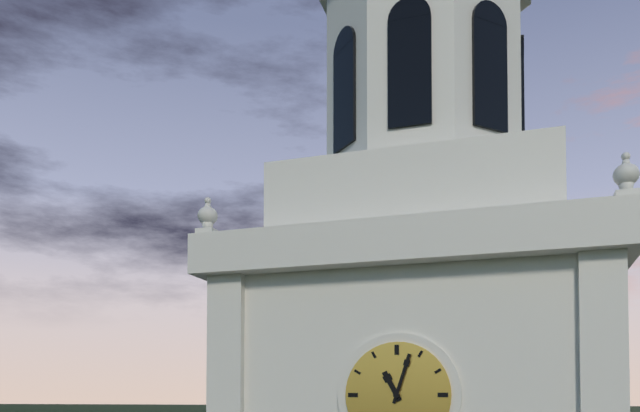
11:03
